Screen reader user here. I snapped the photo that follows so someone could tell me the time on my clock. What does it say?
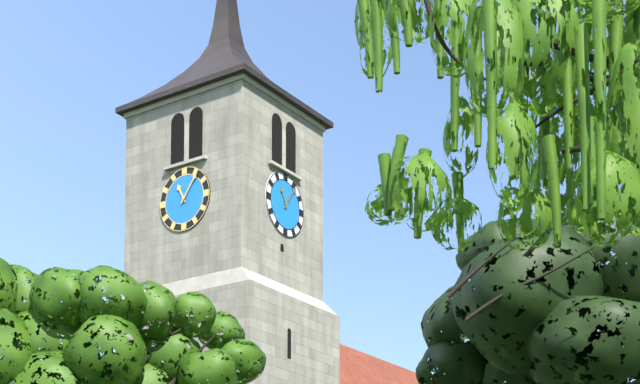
11:06
